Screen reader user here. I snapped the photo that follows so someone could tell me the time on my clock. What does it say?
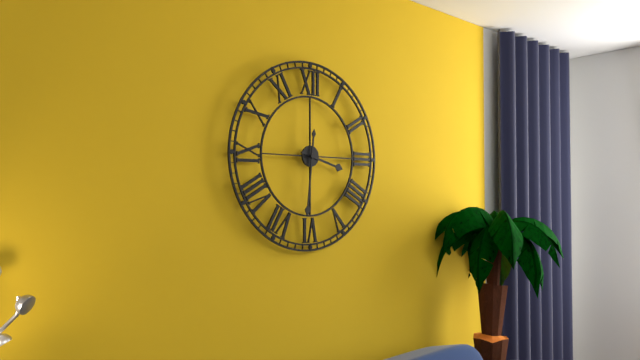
3:31
